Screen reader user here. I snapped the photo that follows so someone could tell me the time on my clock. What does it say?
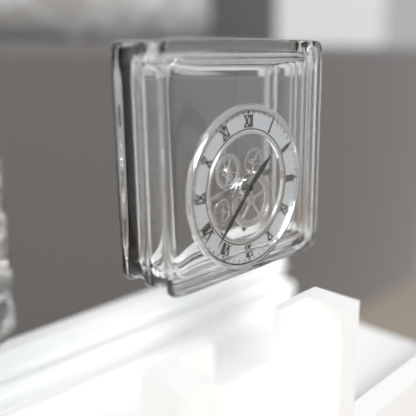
1:37
